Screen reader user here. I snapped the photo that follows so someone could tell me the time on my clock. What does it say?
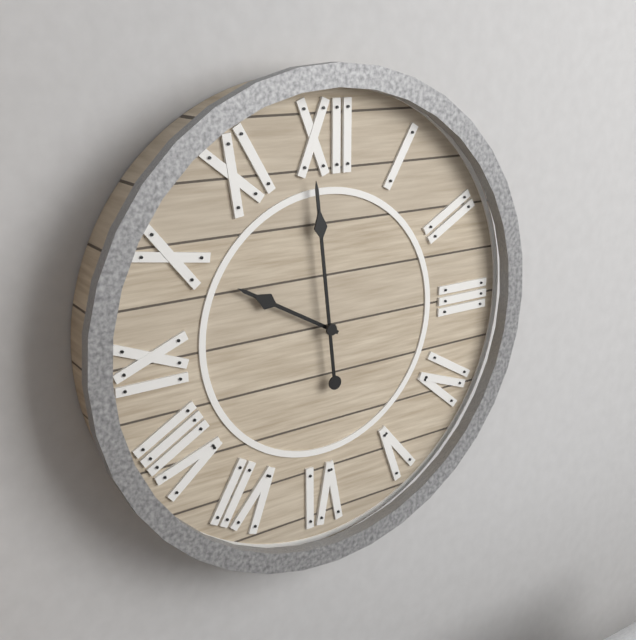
9:59
